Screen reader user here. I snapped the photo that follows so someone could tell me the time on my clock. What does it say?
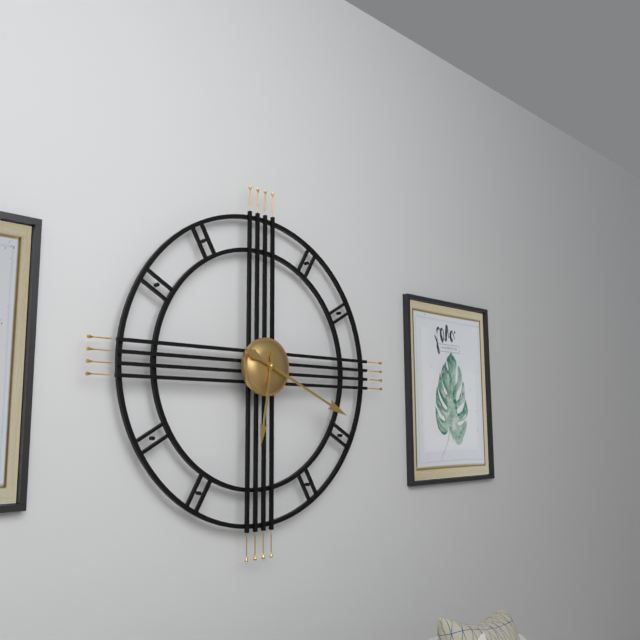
6:19
